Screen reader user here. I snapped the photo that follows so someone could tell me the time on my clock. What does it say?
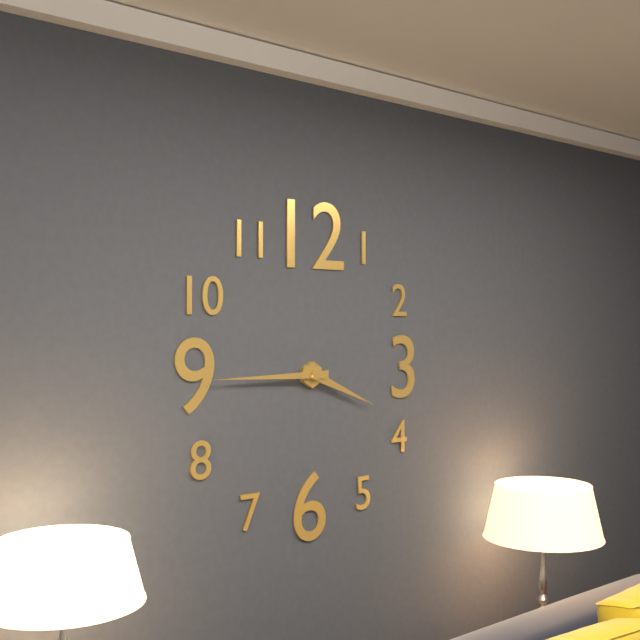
3:45
